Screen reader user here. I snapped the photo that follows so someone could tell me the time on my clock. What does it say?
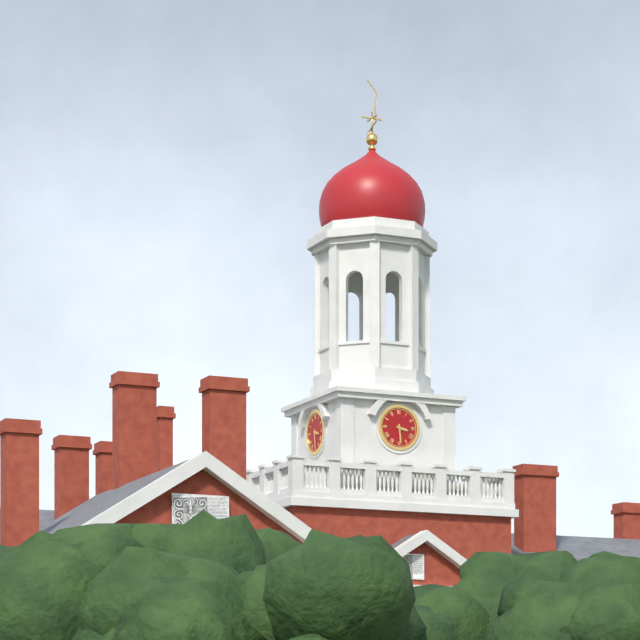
3:29
